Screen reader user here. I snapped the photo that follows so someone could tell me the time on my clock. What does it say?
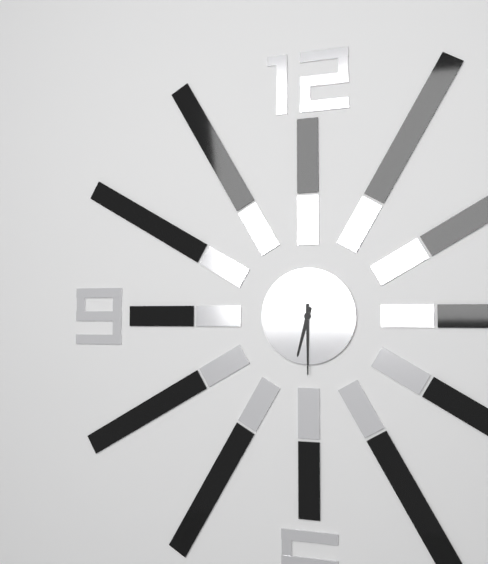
6:30
